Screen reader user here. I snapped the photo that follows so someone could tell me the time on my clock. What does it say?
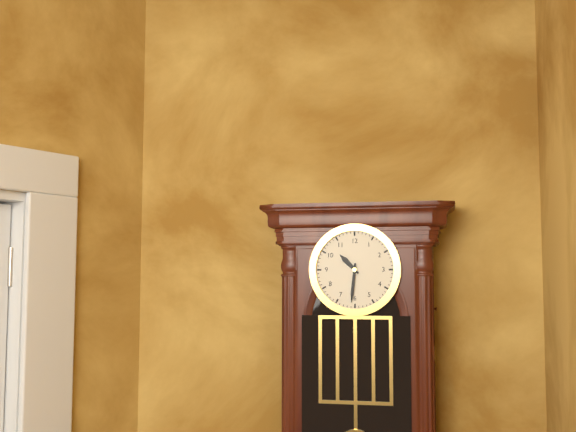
10:31
